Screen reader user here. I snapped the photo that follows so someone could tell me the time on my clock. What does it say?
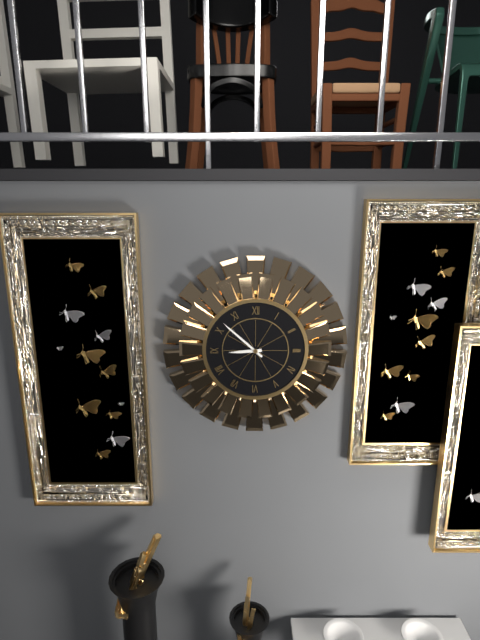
8:52
